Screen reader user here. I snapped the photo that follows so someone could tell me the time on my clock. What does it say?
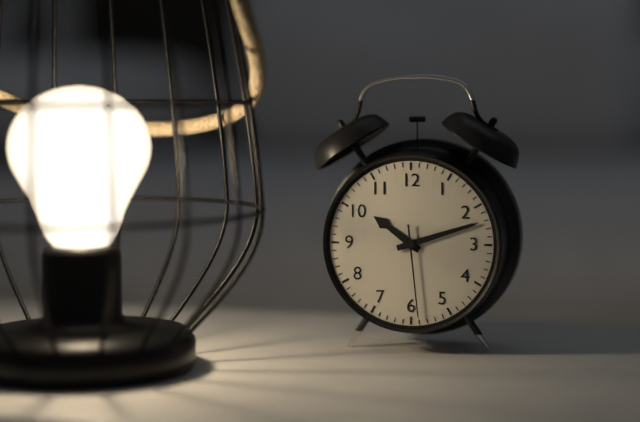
10:12:29
